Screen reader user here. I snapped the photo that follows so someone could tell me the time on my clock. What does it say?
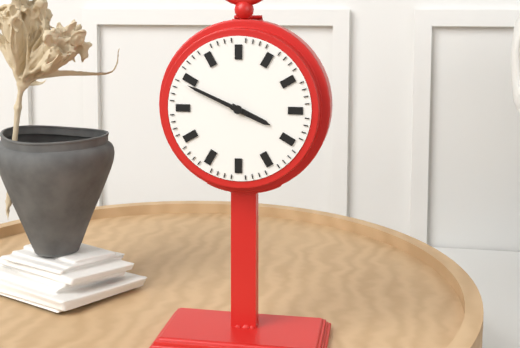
3:49
